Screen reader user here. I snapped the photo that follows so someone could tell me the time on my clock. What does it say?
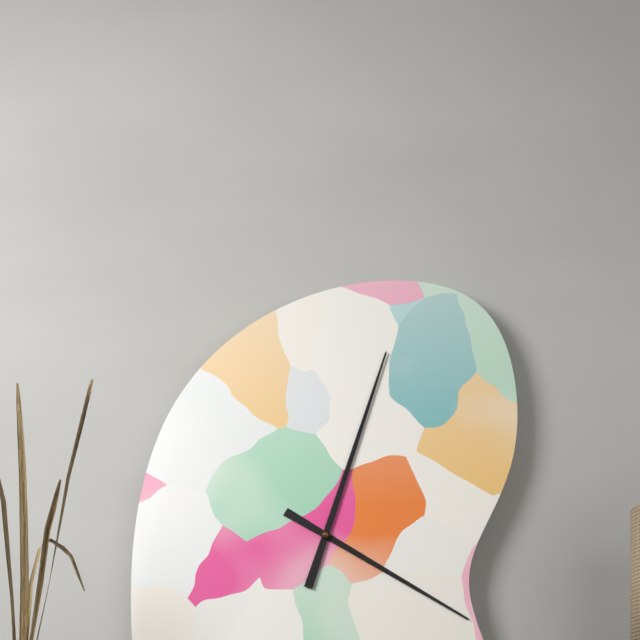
4:03
